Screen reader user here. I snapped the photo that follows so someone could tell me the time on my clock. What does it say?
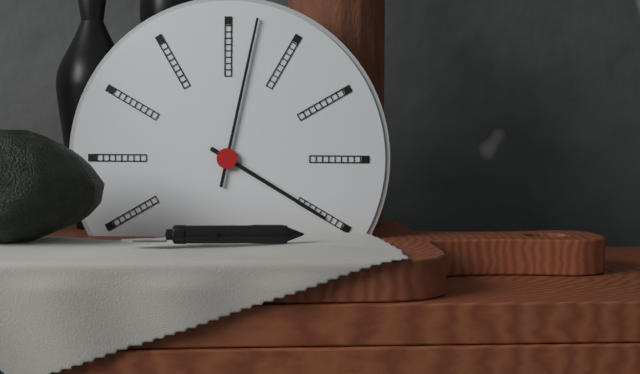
4:02
